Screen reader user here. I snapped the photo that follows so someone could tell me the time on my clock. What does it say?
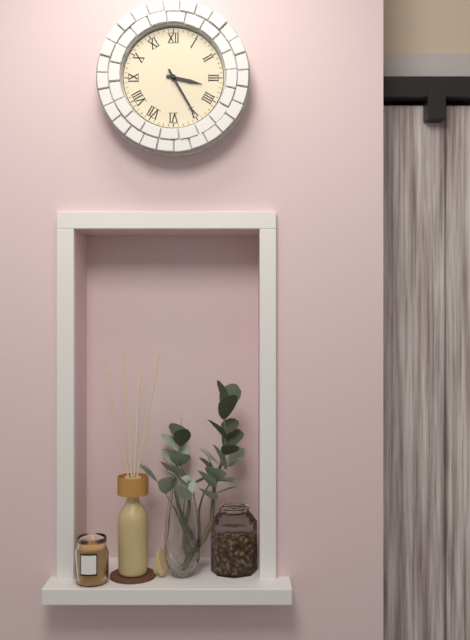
3:25
